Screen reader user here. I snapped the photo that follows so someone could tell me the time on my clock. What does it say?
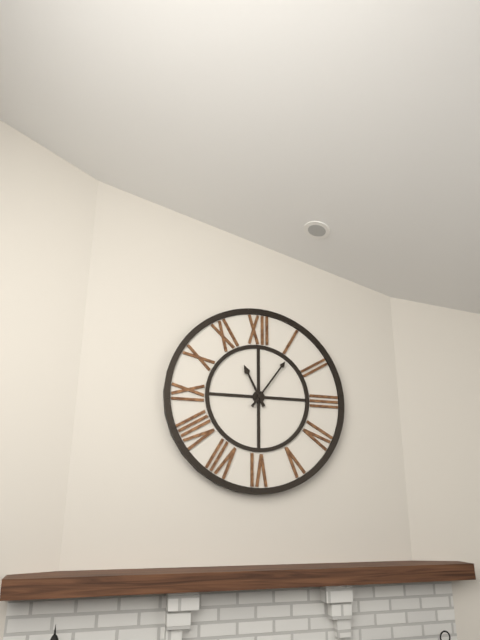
11:06
